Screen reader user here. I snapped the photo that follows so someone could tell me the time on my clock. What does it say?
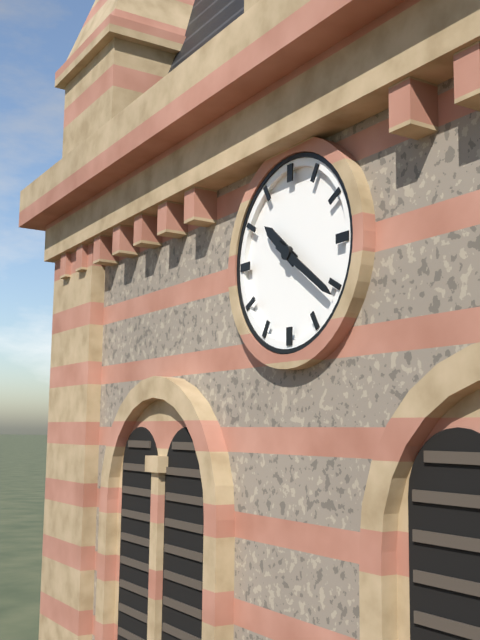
10:21
